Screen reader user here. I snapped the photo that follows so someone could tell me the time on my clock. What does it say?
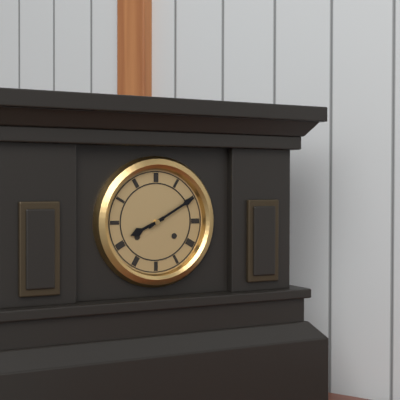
8:10
